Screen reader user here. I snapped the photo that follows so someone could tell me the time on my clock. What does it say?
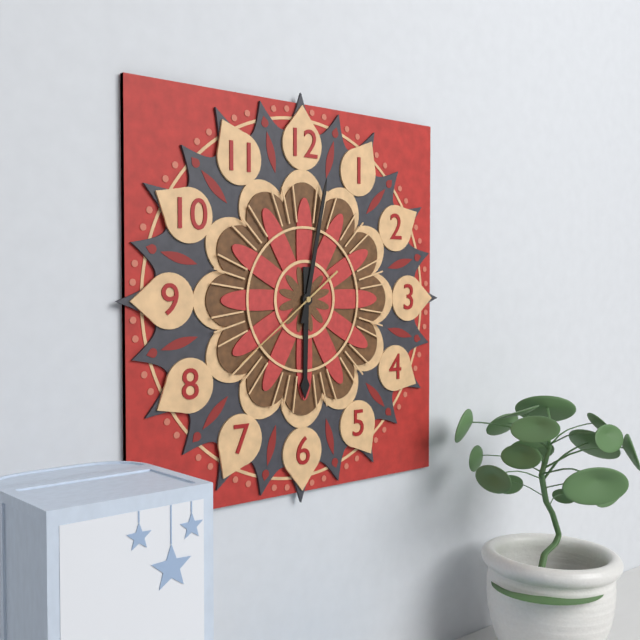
6:02:39
